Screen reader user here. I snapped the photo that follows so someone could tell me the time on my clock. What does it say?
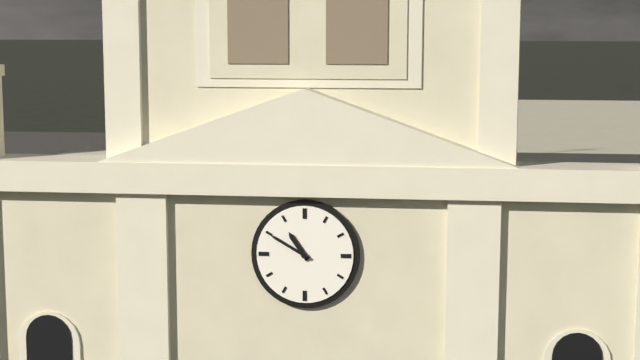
10:50
